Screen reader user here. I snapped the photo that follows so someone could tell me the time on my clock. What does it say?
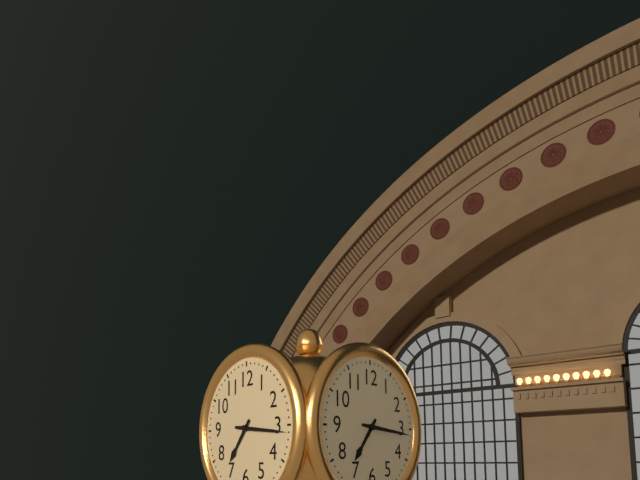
7:16
